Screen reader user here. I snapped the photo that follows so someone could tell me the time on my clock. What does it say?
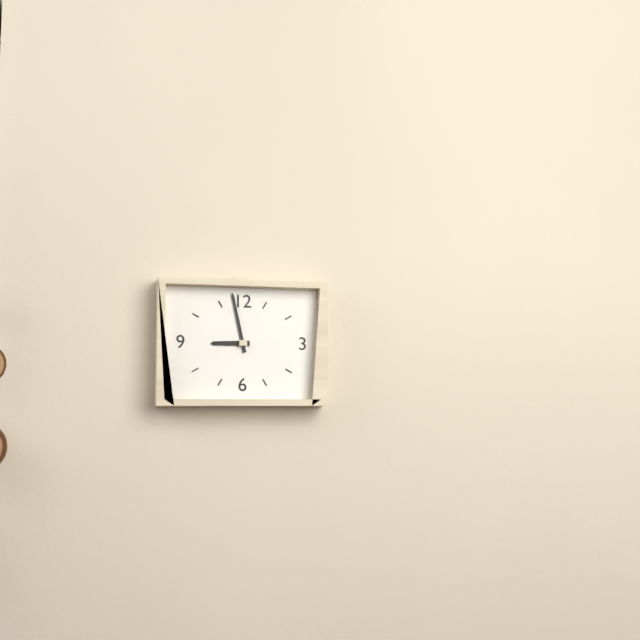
8:58
